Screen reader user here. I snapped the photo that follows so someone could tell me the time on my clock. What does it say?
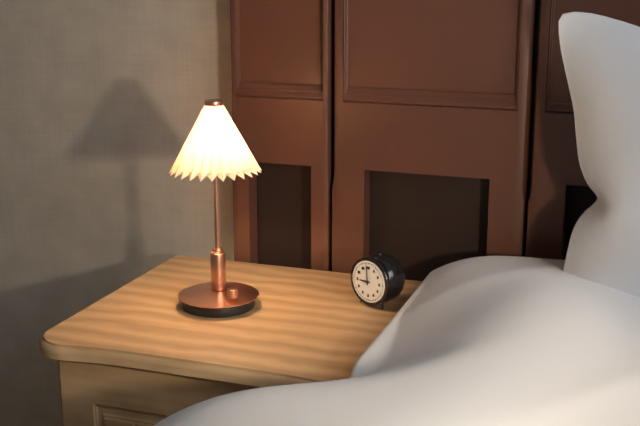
8:59
